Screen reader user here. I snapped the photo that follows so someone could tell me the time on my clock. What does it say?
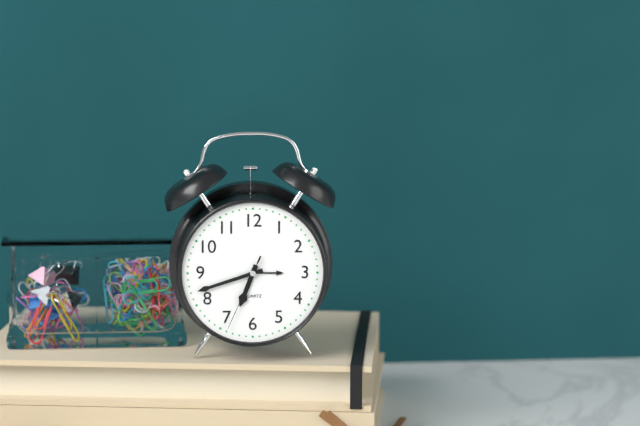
6:42:34
